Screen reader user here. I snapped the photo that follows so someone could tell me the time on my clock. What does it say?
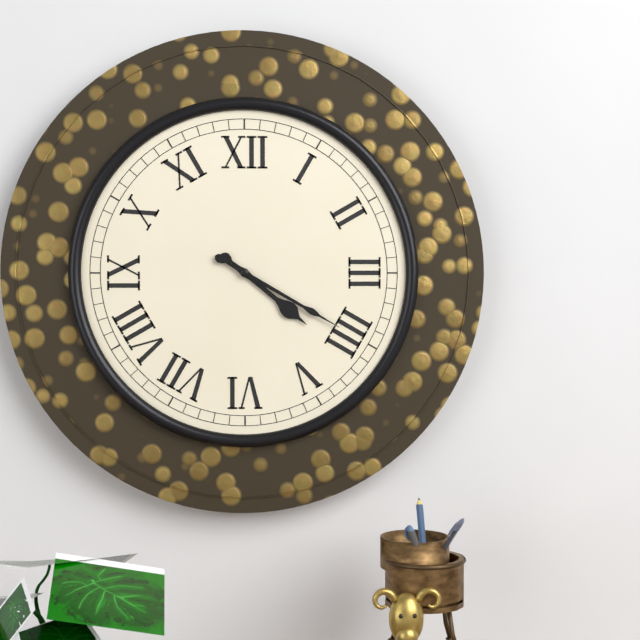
4:20
